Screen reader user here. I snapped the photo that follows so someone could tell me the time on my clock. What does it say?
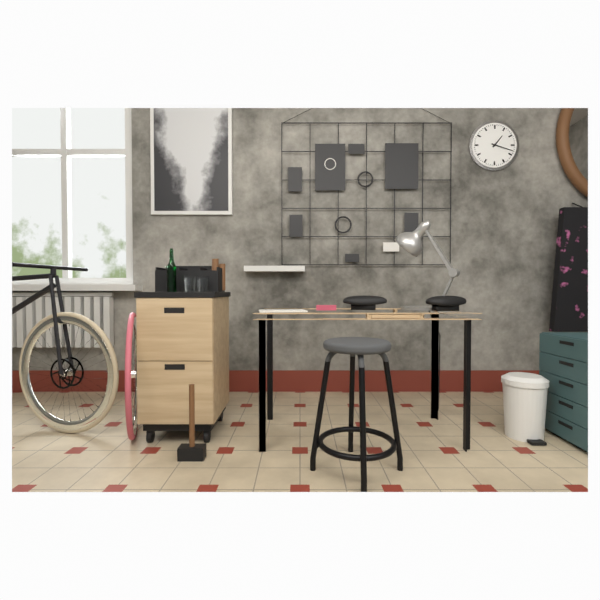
1:18
